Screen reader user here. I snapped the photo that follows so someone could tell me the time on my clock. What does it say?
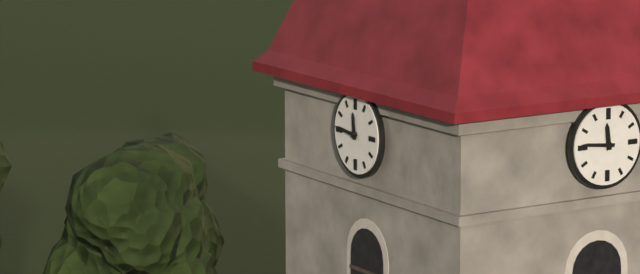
11:46
